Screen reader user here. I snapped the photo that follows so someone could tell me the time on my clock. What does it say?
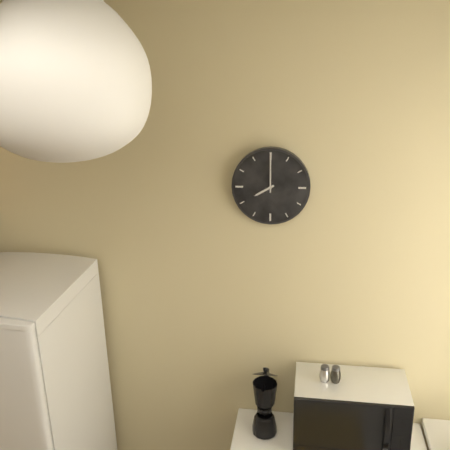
8:00
